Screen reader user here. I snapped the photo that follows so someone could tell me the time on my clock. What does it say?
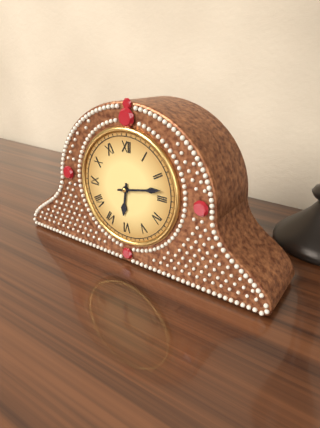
6:13
